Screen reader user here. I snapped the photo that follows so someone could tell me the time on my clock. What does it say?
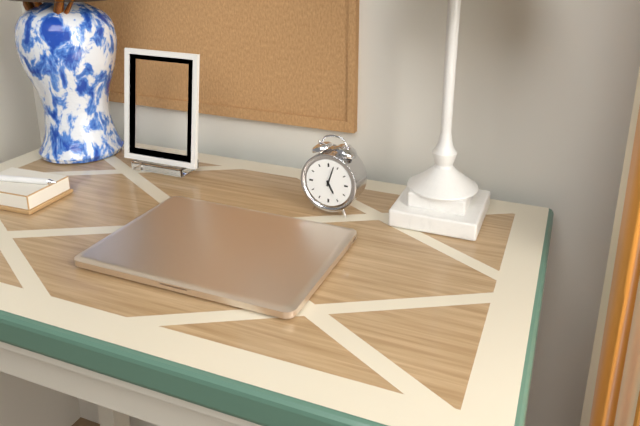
5:03
